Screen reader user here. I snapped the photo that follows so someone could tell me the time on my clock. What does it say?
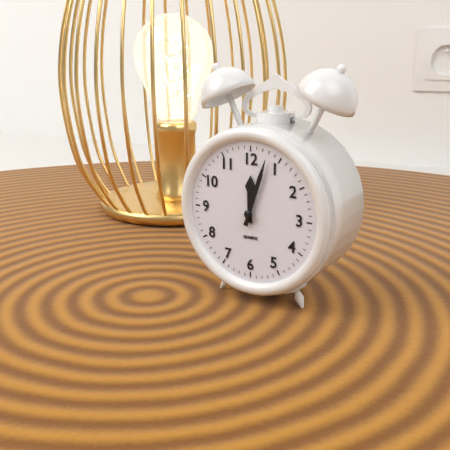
12:03
